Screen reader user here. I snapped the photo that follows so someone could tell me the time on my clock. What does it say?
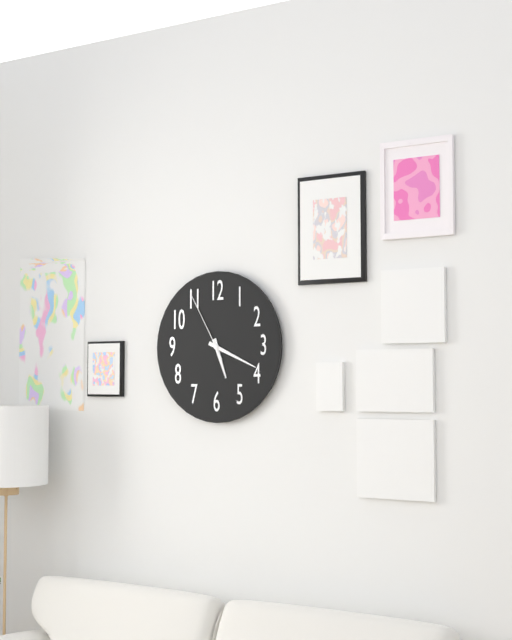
5:19:55
